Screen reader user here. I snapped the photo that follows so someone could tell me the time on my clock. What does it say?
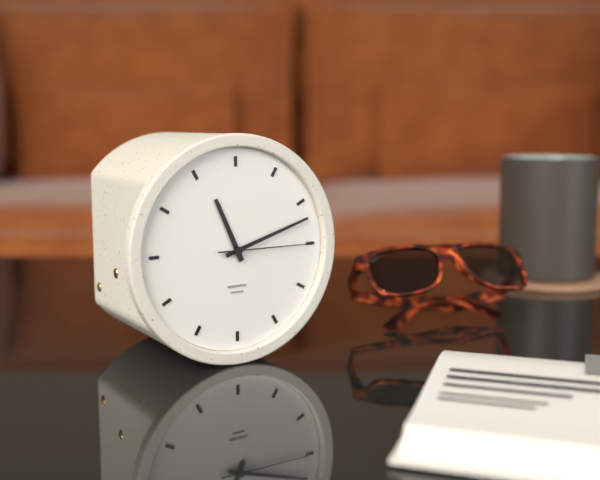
11:12:15
